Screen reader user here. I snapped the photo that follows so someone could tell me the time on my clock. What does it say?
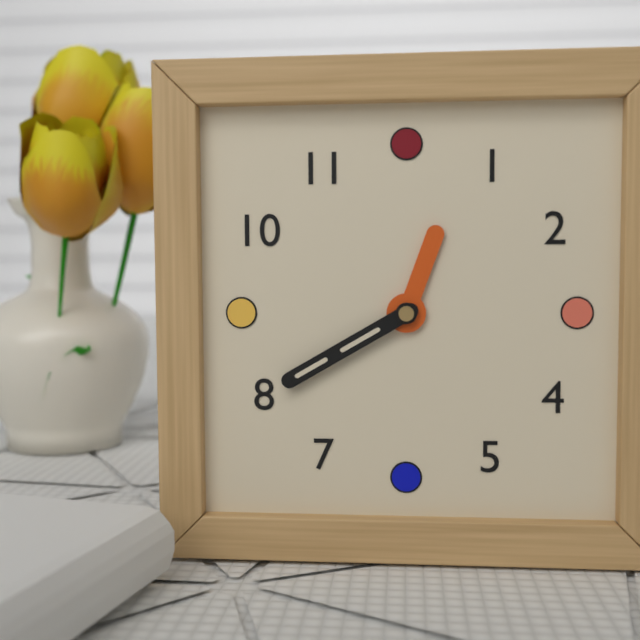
12:40
